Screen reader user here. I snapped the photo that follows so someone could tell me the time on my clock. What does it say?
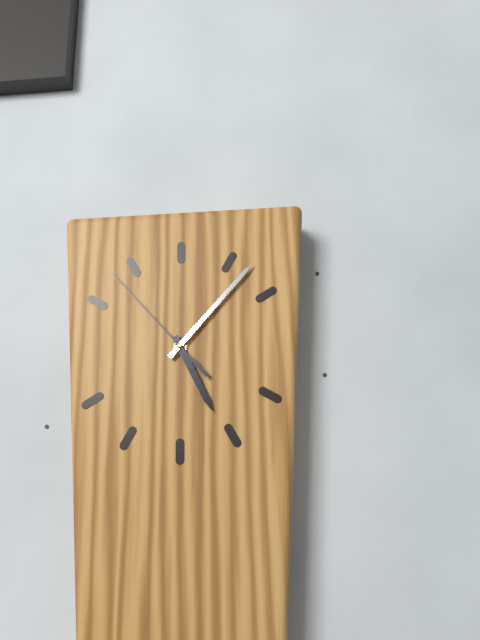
5:07:53
